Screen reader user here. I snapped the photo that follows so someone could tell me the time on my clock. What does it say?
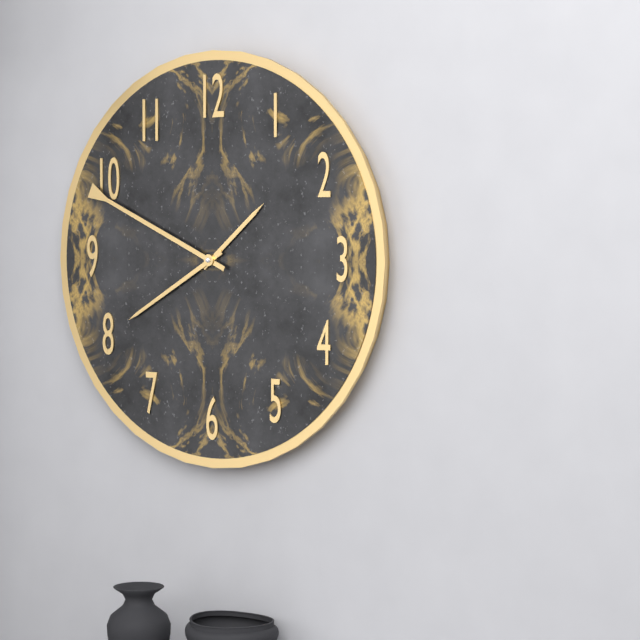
1:40:49
